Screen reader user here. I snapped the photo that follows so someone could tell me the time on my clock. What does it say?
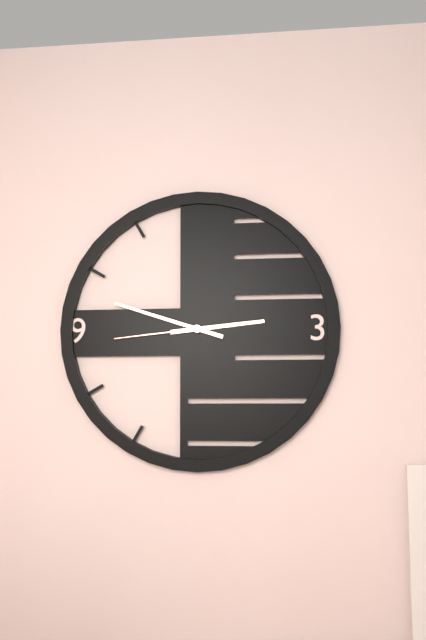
2:48:44
